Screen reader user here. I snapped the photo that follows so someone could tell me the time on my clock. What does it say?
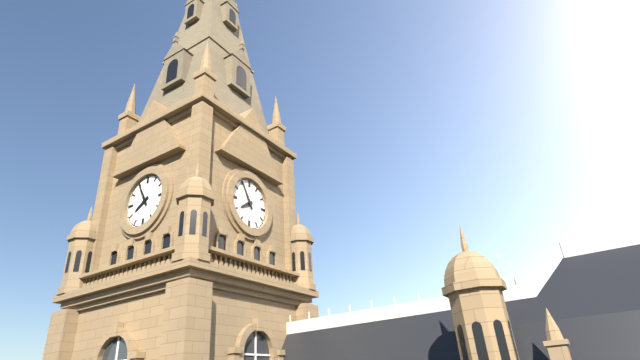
7:55
